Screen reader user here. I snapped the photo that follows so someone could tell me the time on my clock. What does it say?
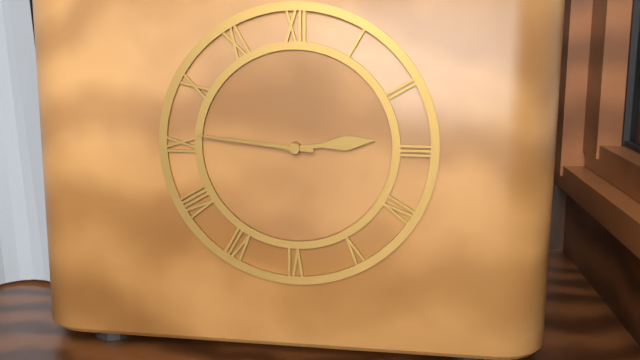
2:46
